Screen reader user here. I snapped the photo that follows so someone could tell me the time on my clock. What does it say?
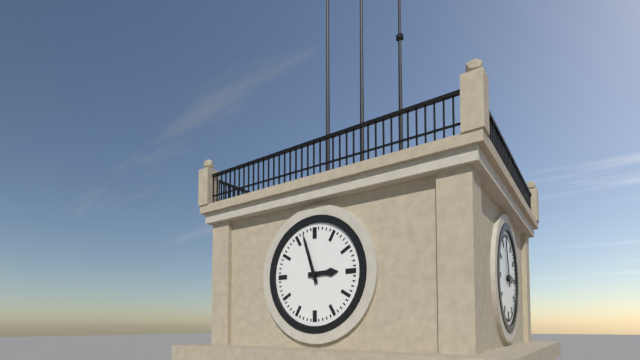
2:57
